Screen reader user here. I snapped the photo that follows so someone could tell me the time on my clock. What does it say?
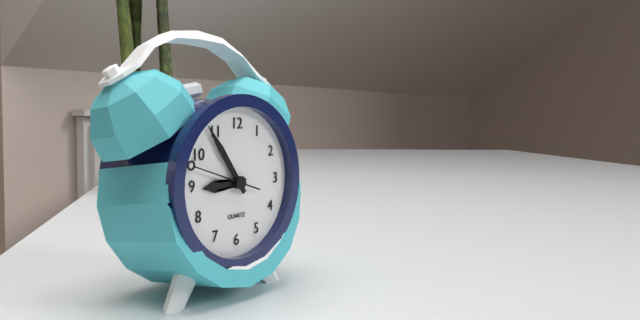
8:54:48
